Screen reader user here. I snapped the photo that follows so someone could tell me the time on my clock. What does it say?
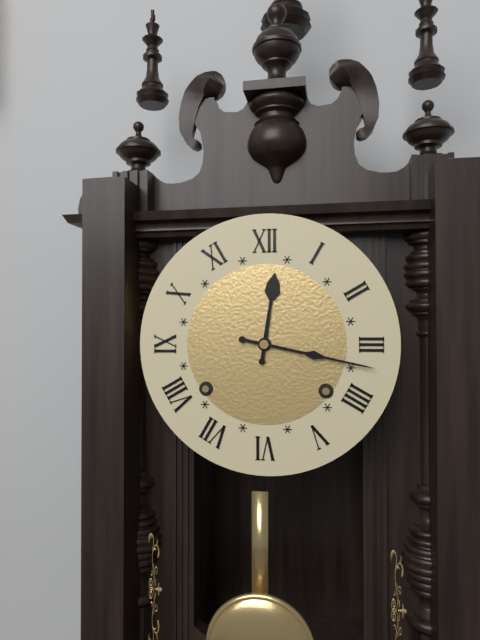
12:17
